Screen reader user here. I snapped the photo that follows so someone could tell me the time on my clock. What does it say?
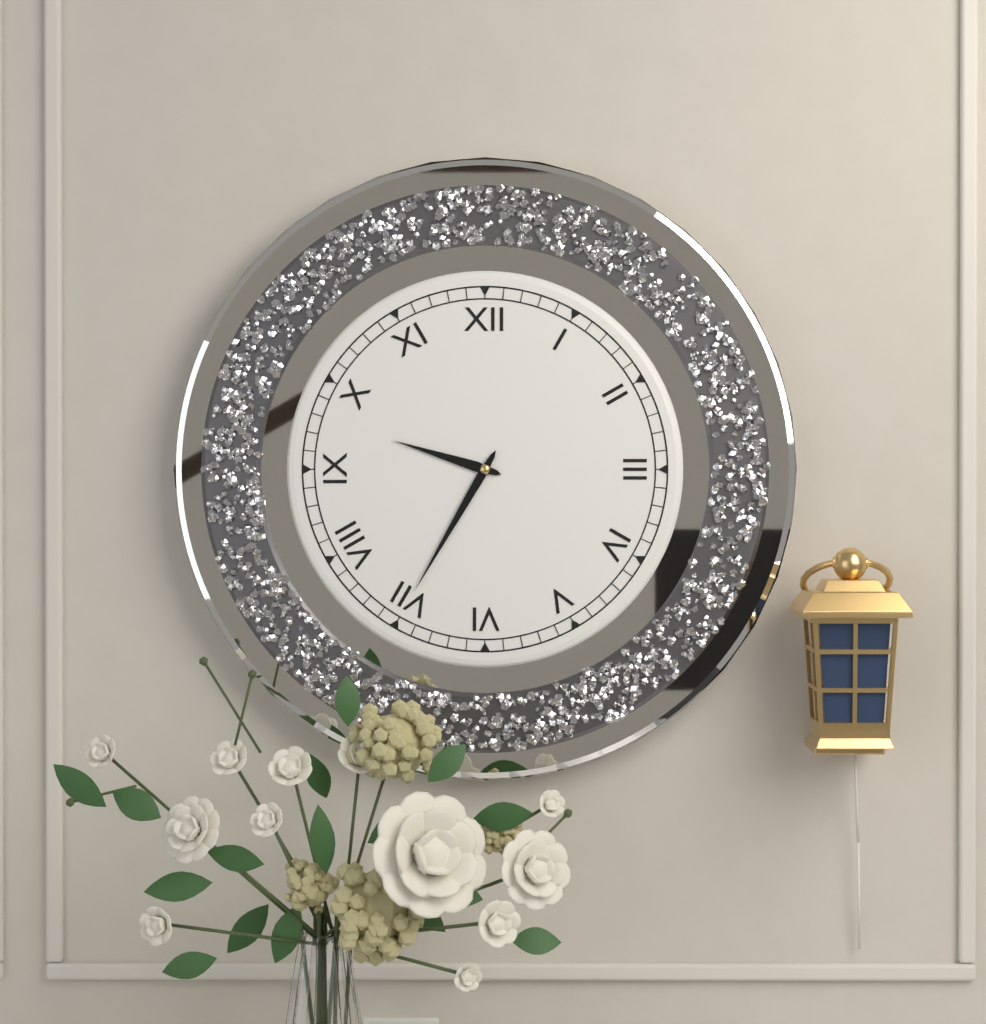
9:35
